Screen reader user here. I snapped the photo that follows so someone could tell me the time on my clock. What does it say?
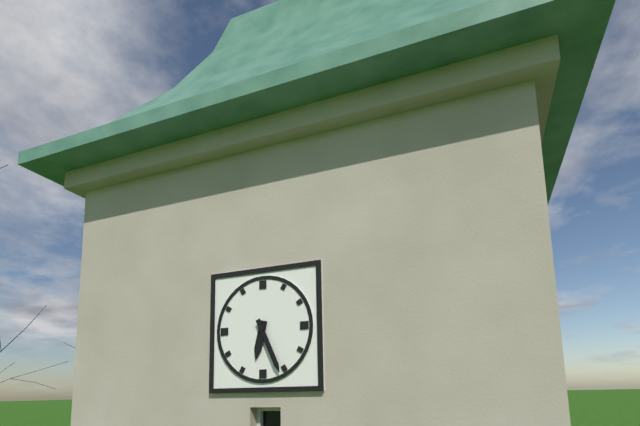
6:26
